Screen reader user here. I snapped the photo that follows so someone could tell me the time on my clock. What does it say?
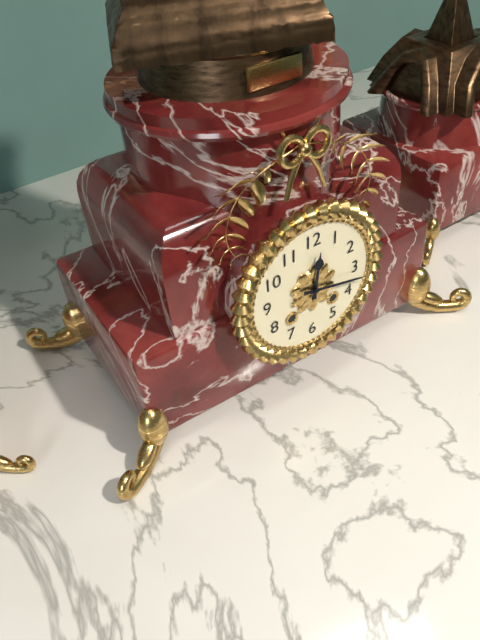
12:17
